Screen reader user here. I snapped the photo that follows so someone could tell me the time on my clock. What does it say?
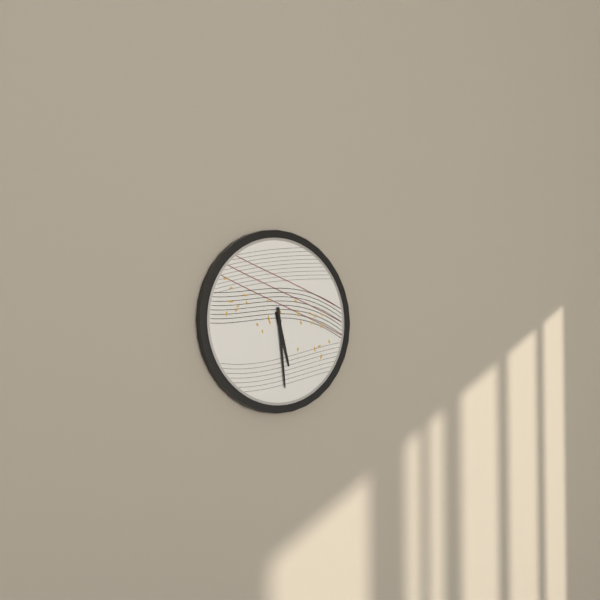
5:29
